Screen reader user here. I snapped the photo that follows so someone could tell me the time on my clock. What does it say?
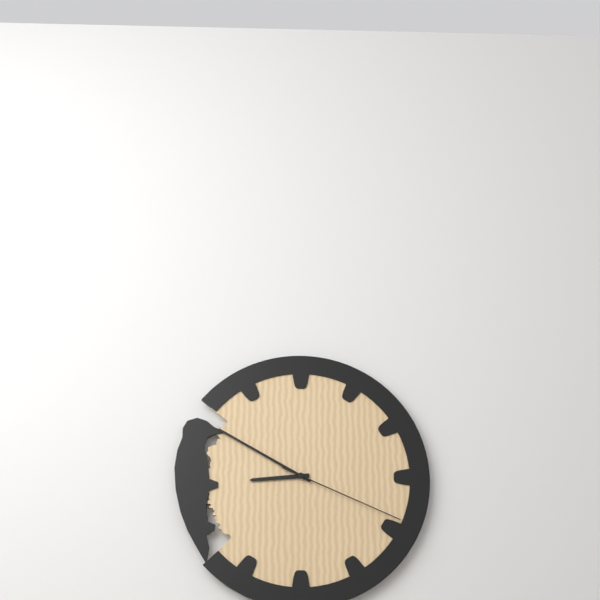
8:50:19
